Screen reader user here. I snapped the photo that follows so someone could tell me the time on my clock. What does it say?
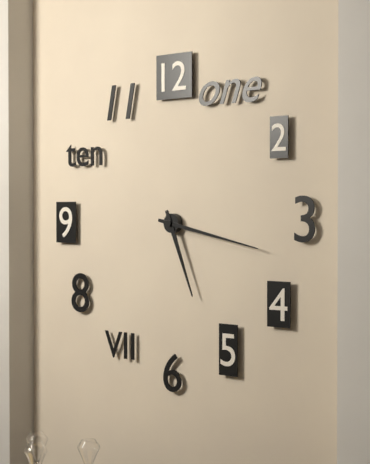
5:17
